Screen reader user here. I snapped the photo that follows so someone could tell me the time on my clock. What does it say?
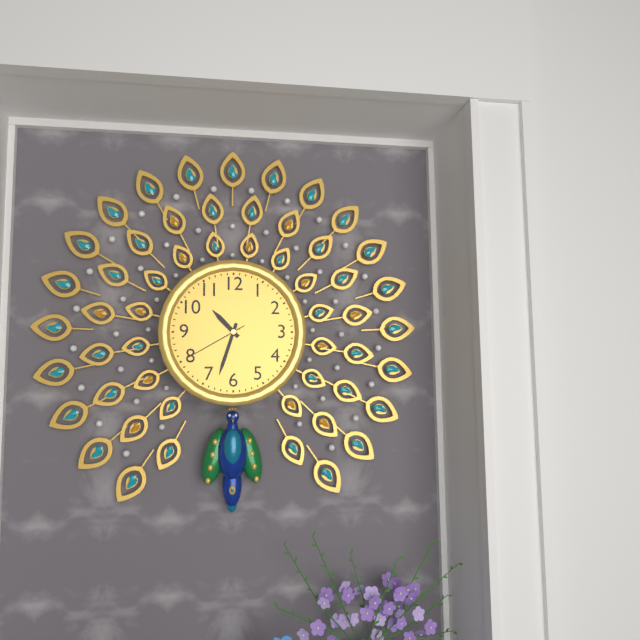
10:33:40
